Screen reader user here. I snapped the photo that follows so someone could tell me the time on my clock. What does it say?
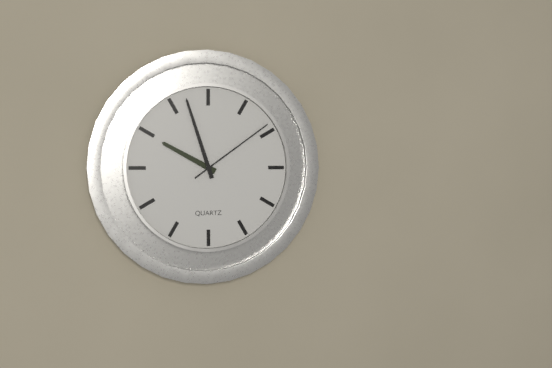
9:57:09
